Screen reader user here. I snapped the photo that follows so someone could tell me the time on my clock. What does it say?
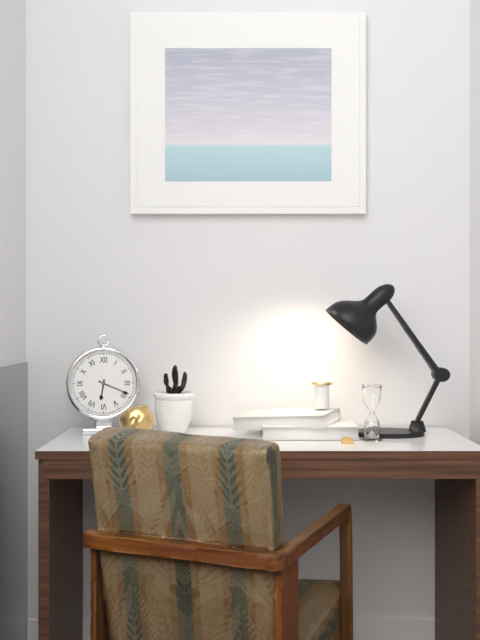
6:19
